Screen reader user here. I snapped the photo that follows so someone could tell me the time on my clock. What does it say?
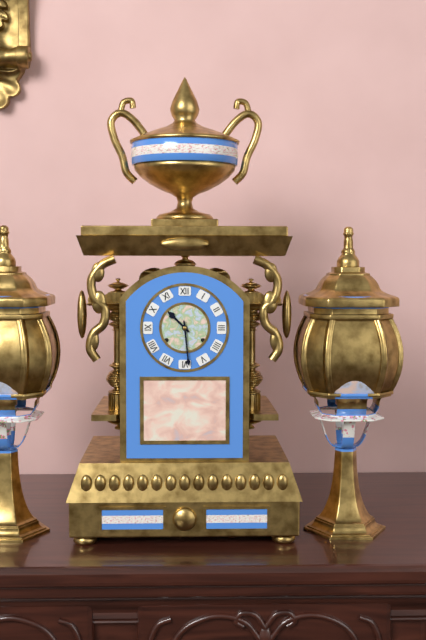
10:29
